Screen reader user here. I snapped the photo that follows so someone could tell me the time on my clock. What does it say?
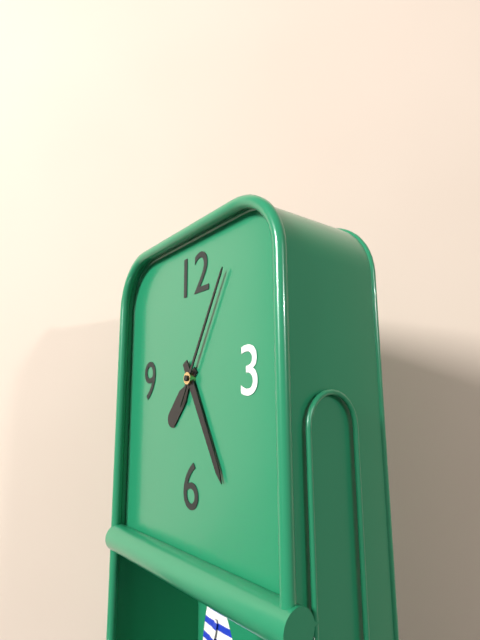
7:25:05
